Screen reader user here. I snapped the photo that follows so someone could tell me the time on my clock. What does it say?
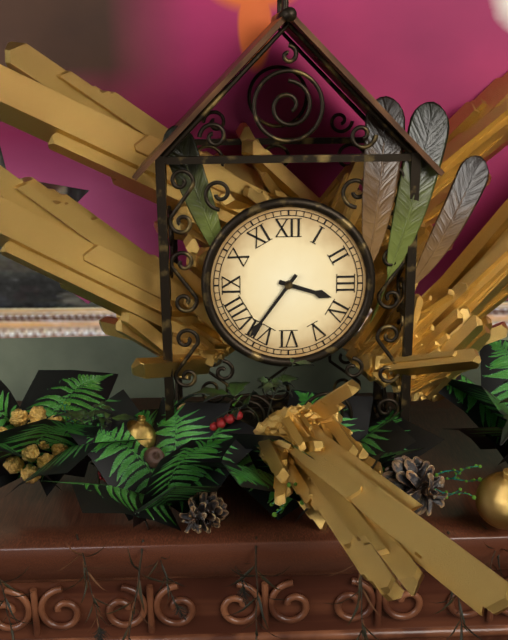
3:36
